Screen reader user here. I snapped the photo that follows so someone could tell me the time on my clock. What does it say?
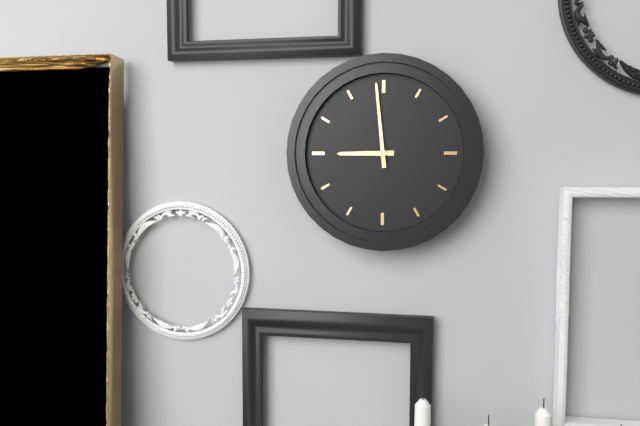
8:59
